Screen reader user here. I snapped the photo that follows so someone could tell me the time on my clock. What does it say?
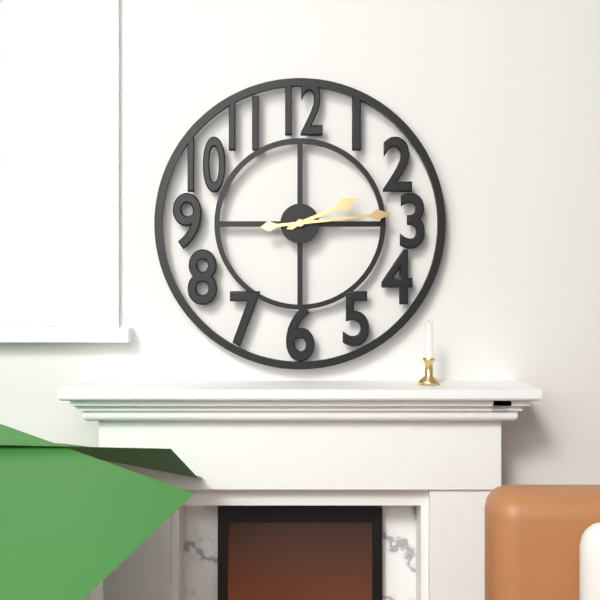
2:14
